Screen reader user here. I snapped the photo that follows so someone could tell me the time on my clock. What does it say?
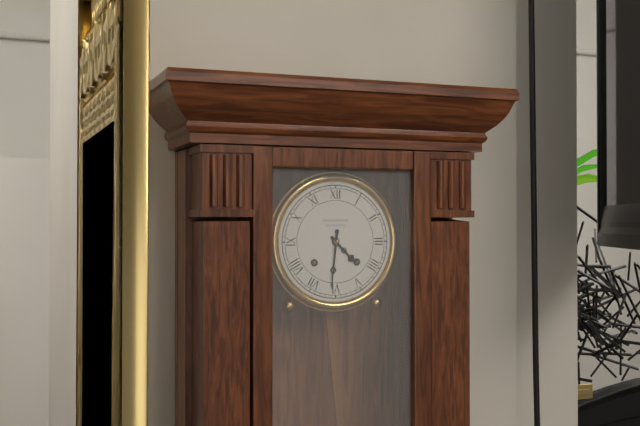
4:31
